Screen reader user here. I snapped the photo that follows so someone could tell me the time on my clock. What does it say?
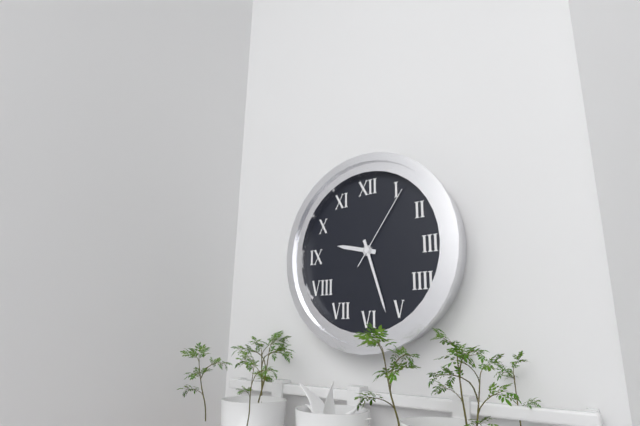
9:27:06
